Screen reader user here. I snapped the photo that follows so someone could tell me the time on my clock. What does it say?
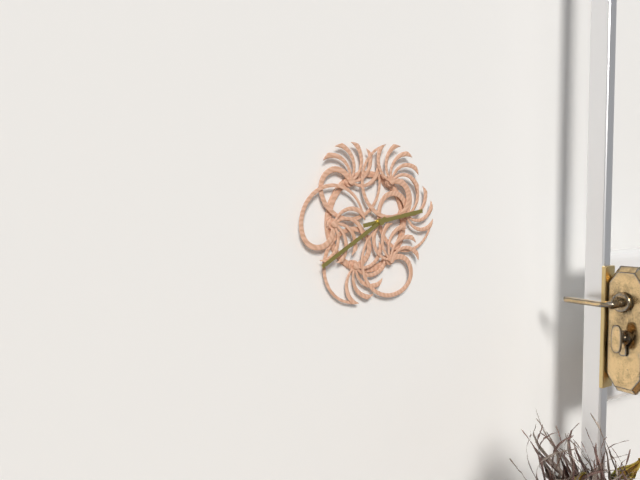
2:40
